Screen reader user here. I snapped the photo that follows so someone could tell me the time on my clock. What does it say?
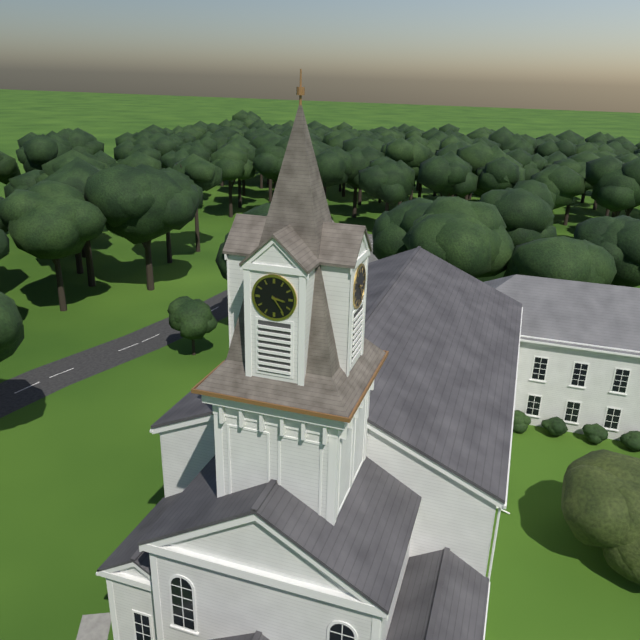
3:24
